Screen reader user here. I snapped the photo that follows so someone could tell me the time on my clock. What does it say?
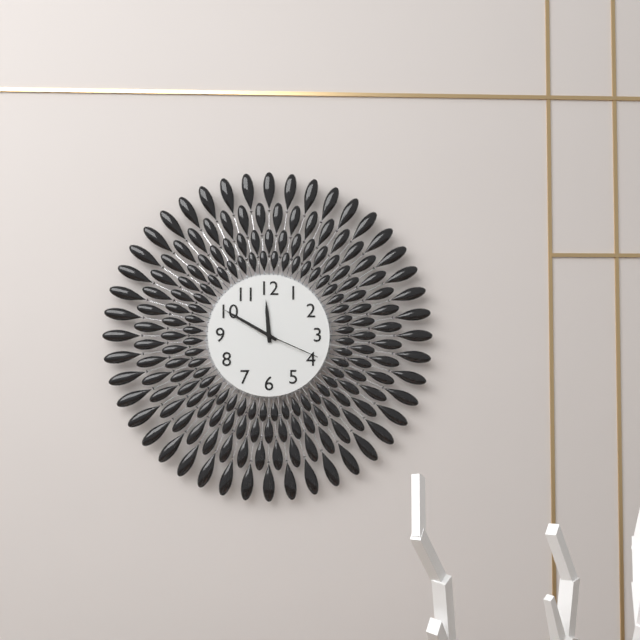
11:50:19
